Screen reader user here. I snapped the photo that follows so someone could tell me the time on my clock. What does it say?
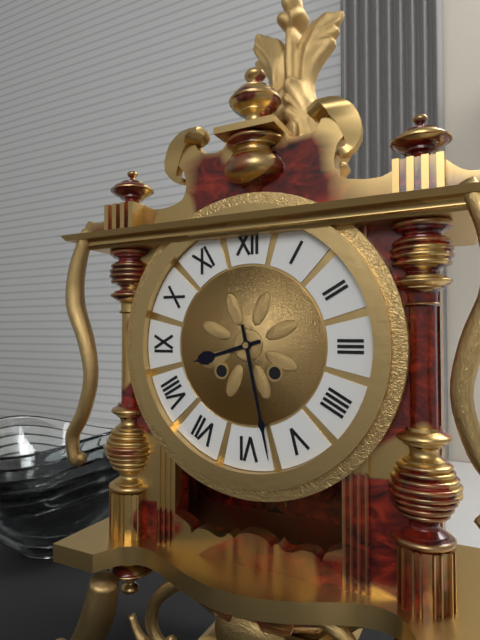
8:28
